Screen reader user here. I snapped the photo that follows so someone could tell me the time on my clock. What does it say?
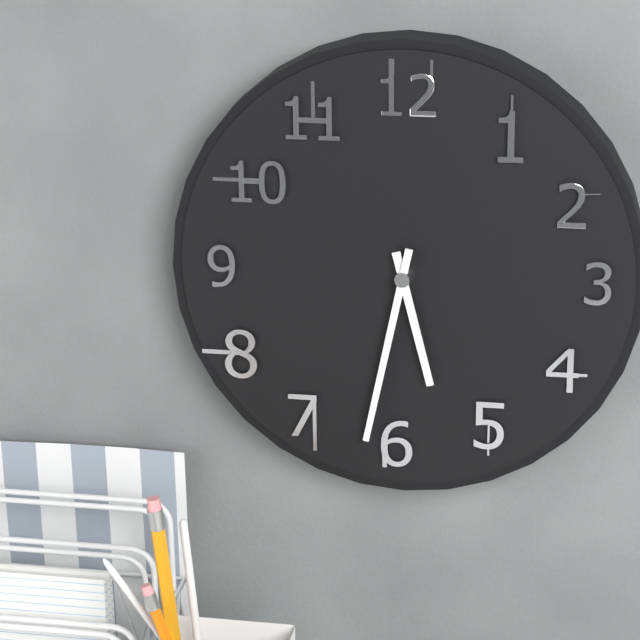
5:32
